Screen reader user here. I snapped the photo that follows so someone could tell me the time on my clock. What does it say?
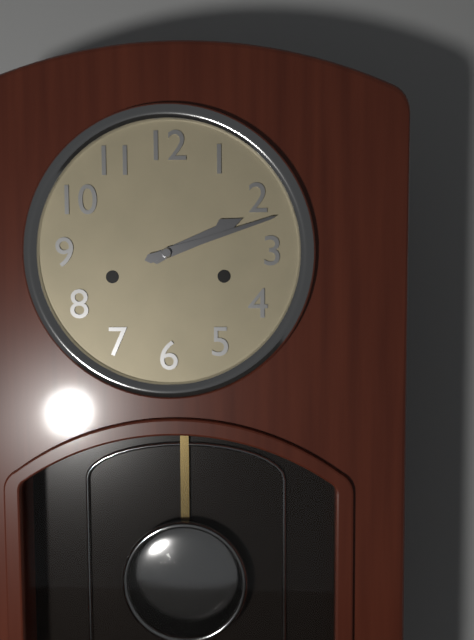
2:12
